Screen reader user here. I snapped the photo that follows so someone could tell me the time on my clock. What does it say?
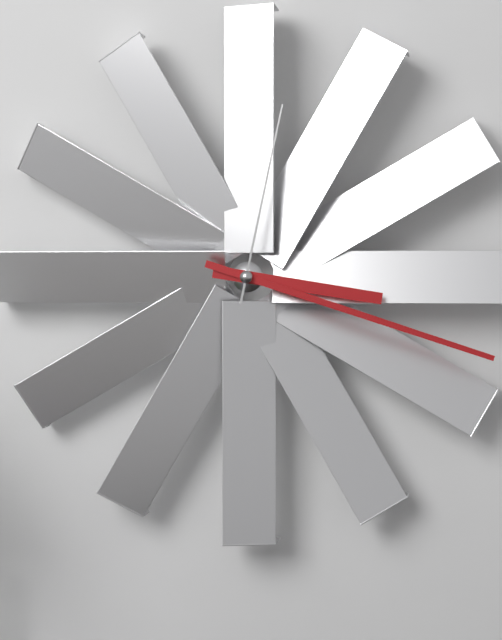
3:18:02
